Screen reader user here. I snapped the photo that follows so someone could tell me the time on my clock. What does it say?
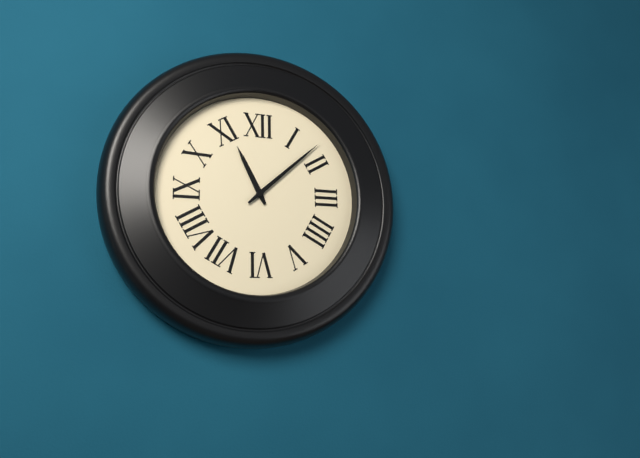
11:08
